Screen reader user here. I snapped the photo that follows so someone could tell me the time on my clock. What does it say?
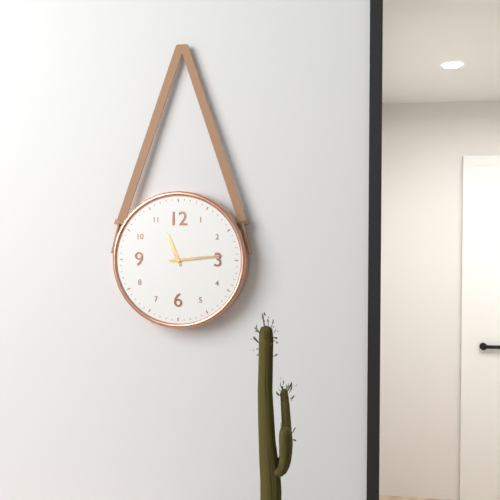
11:14
